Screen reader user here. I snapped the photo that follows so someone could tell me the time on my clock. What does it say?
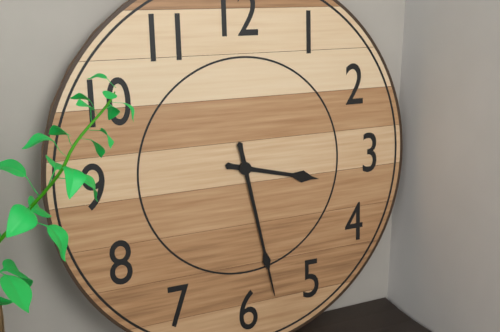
3:28
